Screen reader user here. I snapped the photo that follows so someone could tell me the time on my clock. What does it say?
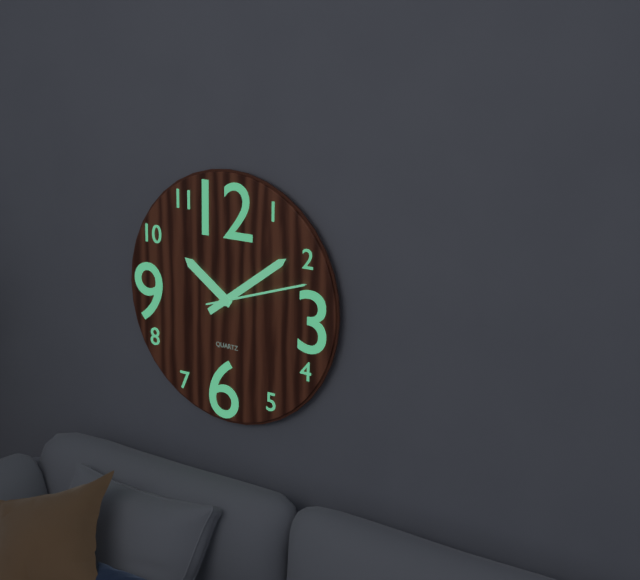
10:09:12
